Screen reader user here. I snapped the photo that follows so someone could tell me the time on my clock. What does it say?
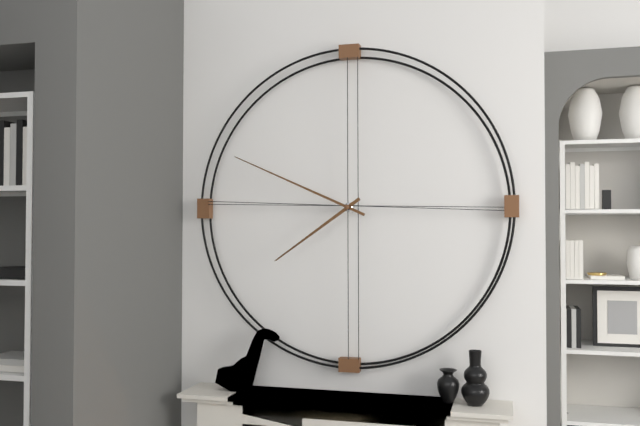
7:49
